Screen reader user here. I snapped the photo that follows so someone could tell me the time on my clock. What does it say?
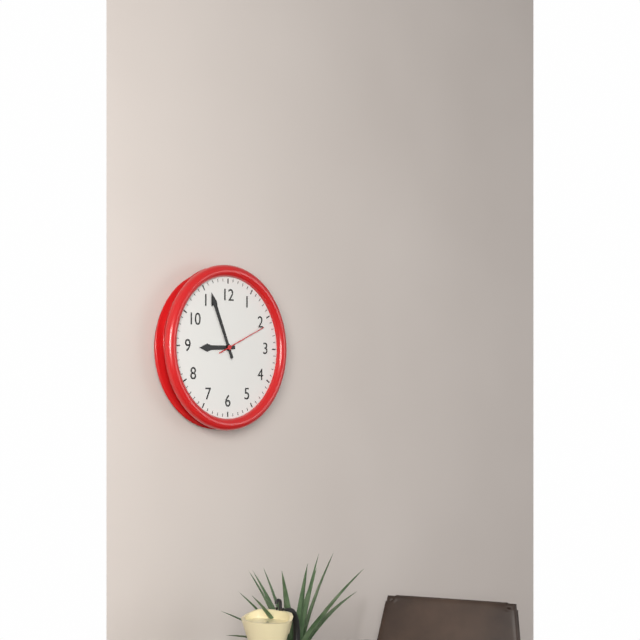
8:56:11
